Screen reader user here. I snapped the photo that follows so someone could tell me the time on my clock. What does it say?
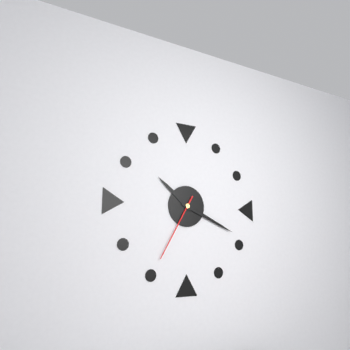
10:19:35
